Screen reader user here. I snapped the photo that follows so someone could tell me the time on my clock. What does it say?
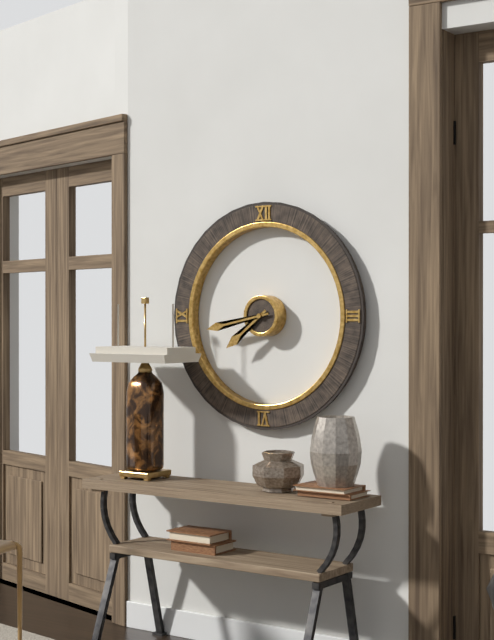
7:43
